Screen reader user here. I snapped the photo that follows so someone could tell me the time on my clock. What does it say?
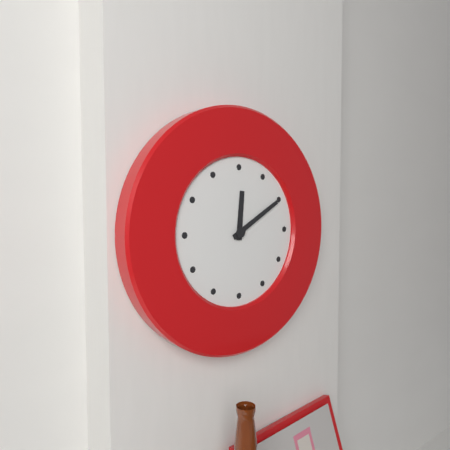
12:10
